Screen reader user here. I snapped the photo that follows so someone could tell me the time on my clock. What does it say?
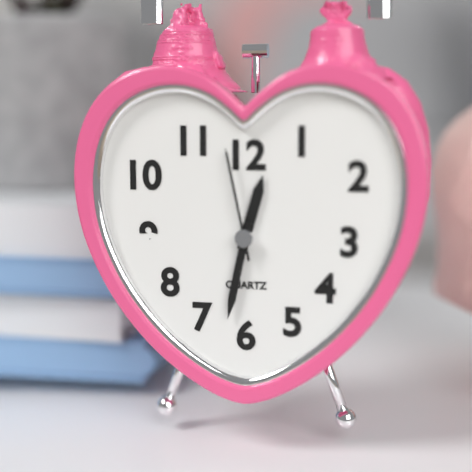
12:32:58
